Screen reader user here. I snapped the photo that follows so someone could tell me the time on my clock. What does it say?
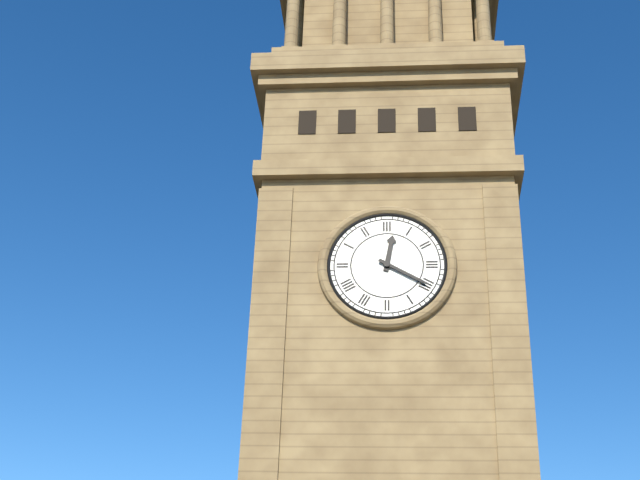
12:20
